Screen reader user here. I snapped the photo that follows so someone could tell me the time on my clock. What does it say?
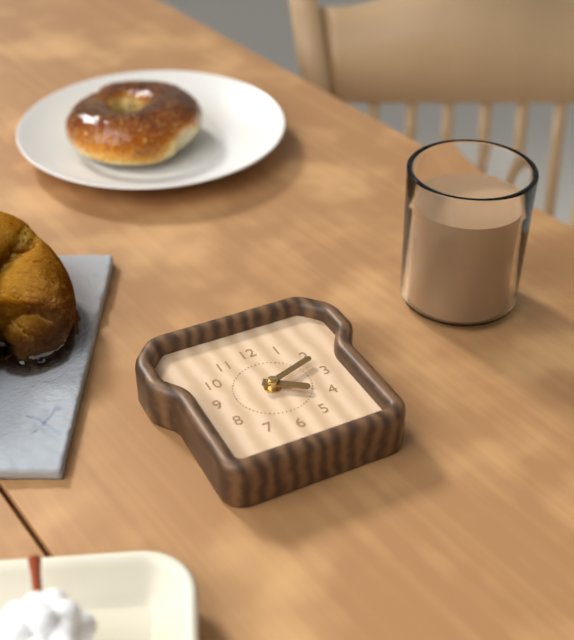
4:12
